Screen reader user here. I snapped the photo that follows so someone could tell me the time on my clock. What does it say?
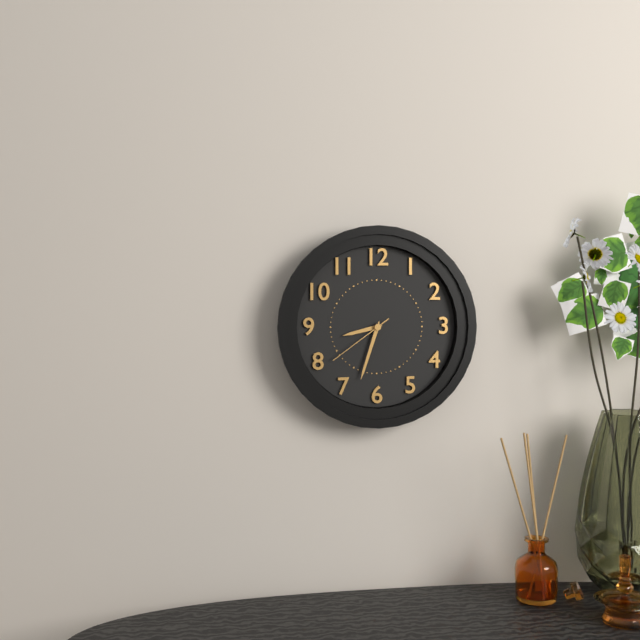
8:33:39
